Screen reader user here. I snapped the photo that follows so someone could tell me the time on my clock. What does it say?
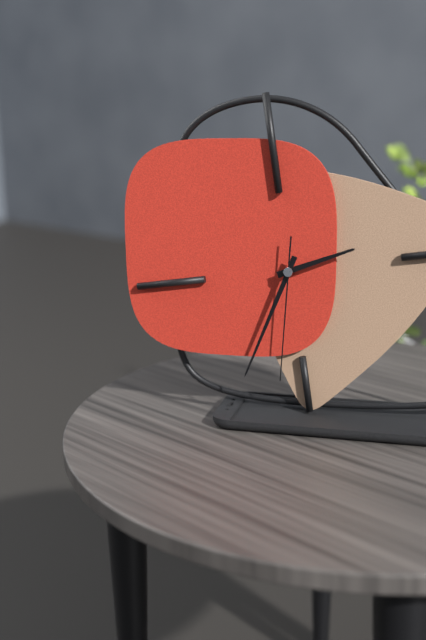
2:35:32
